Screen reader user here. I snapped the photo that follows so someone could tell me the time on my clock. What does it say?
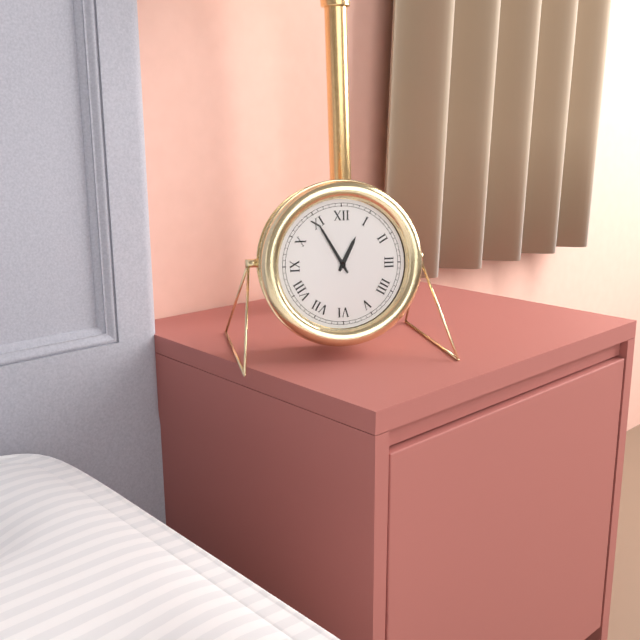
12:55
